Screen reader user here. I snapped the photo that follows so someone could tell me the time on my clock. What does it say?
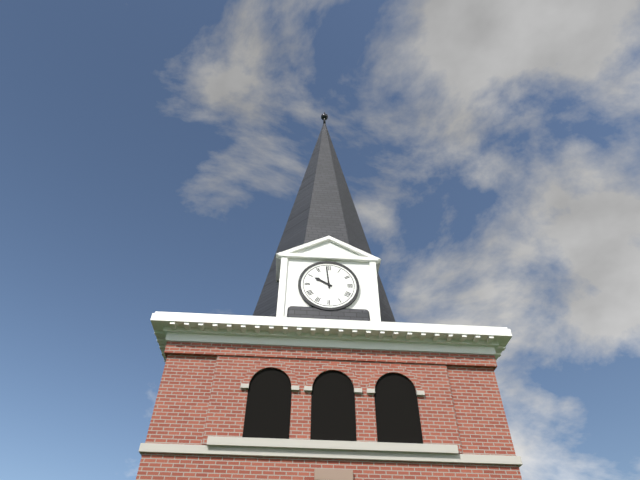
9:59
